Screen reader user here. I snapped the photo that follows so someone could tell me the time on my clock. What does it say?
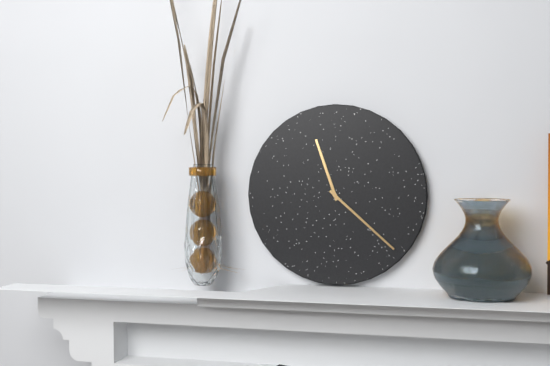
11:22
